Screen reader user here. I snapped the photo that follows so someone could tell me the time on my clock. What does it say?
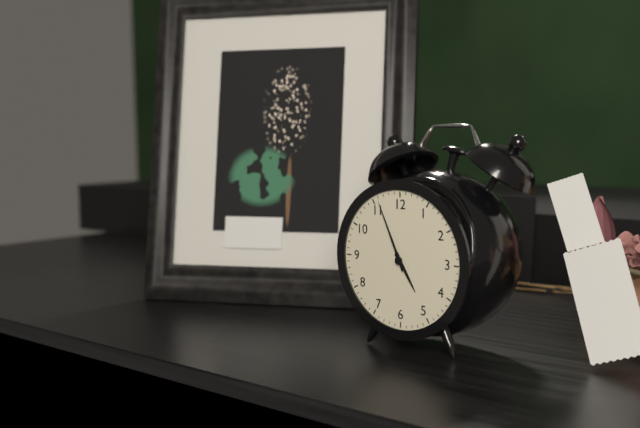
4:56
